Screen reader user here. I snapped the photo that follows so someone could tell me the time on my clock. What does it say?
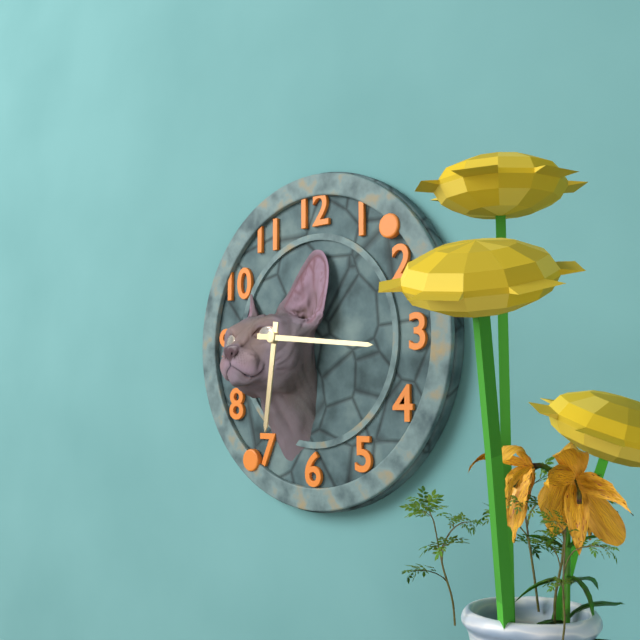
6:16
